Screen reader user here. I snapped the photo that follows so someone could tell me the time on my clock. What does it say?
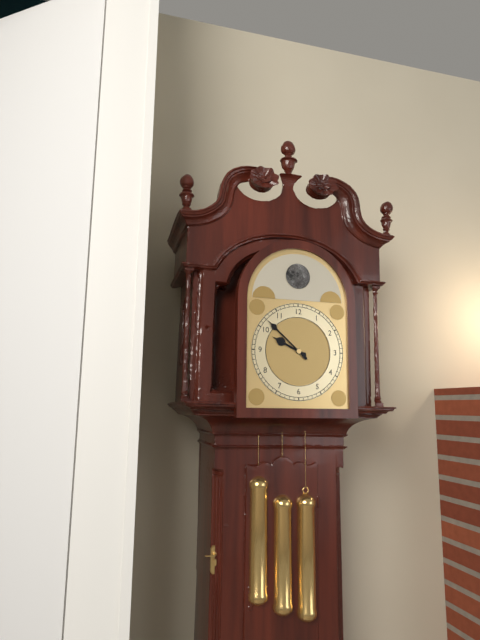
9:52
